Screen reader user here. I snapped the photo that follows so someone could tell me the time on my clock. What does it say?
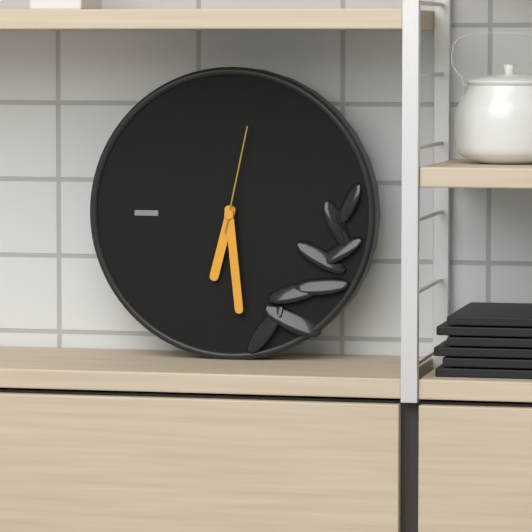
6:29:02
